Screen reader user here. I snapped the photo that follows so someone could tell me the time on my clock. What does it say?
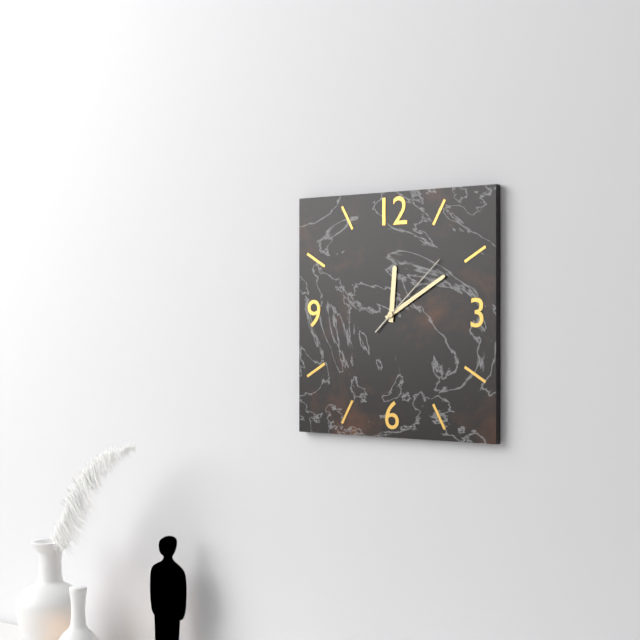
12:10:08
